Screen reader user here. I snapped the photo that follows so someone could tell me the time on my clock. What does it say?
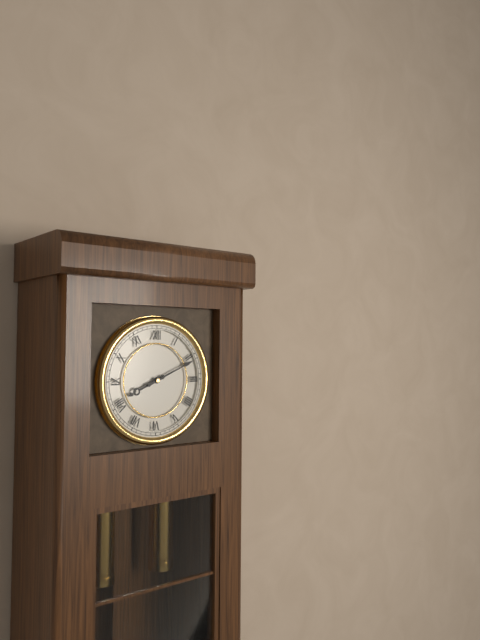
8:11
